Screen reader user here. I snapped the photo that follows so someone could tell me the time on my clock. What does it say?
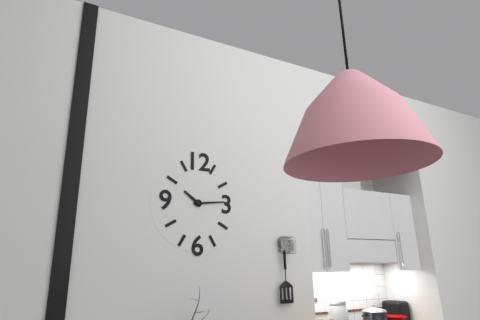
10:14
